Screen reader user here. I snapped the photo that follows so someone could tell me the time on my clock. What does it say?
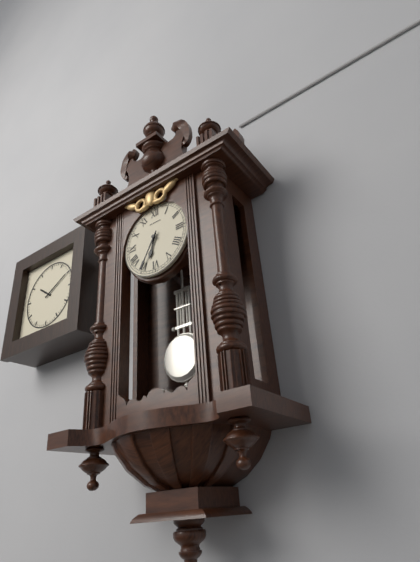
6:35
